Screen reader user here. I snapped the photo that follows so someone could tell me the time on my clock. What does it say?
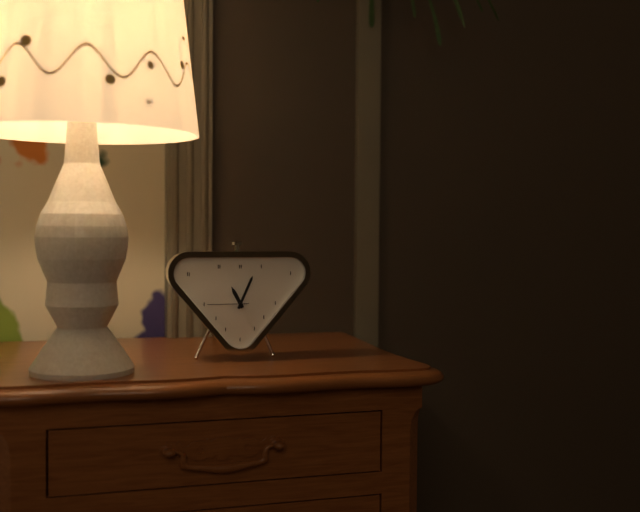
11:04
